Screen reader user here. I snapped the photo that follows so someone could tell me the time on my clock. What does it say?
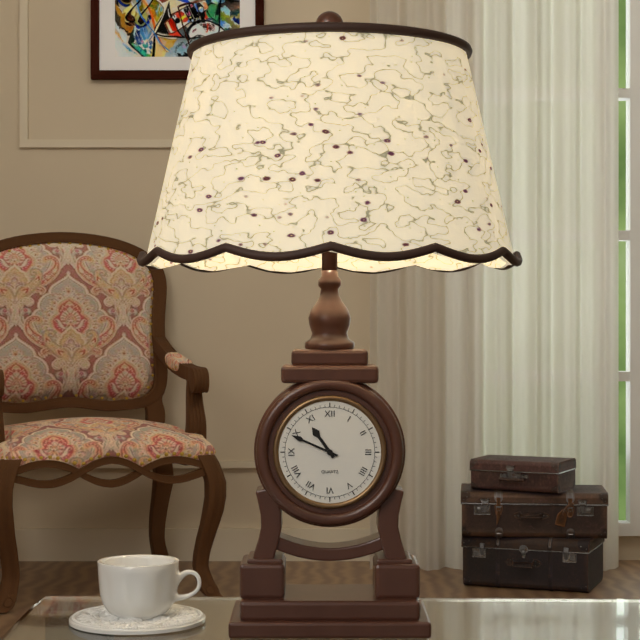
10:49
